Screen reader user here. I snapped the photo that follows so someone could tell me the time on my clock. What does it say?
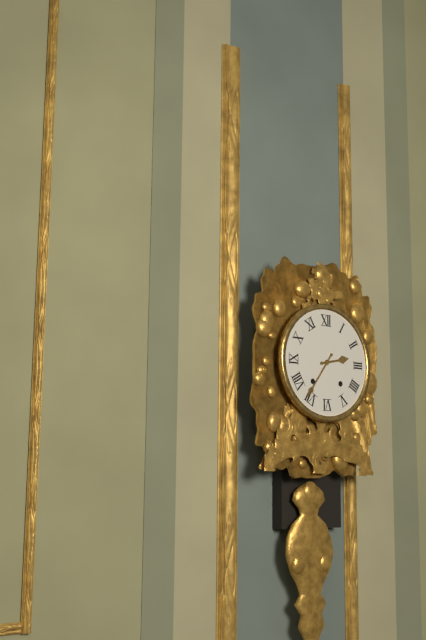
2:36
